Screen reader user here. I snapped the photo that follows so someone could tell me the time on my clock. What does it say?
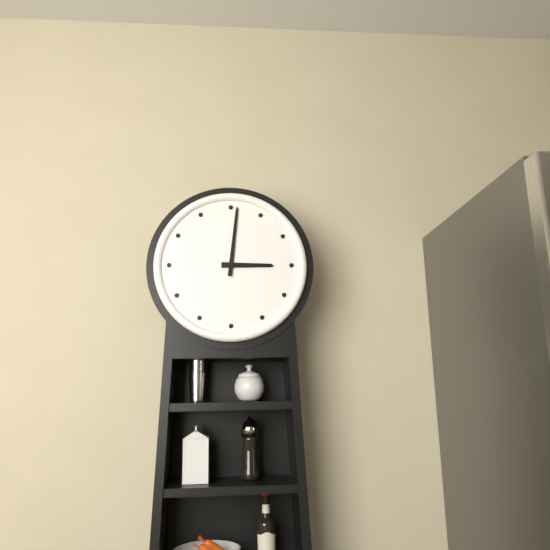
3:01
